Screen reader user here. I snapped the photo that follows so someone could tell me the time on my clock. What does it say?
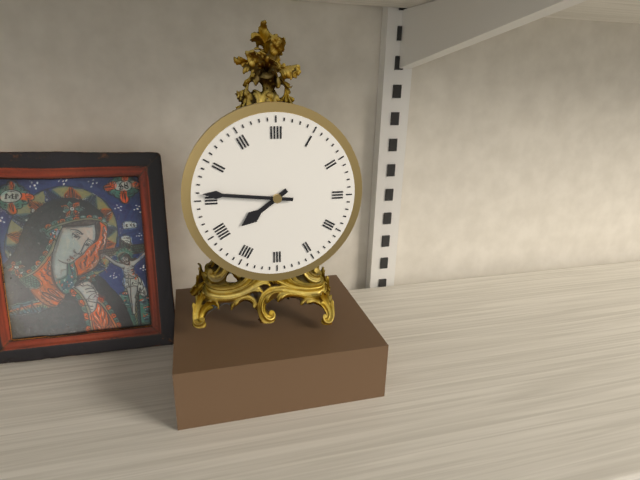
7:46
